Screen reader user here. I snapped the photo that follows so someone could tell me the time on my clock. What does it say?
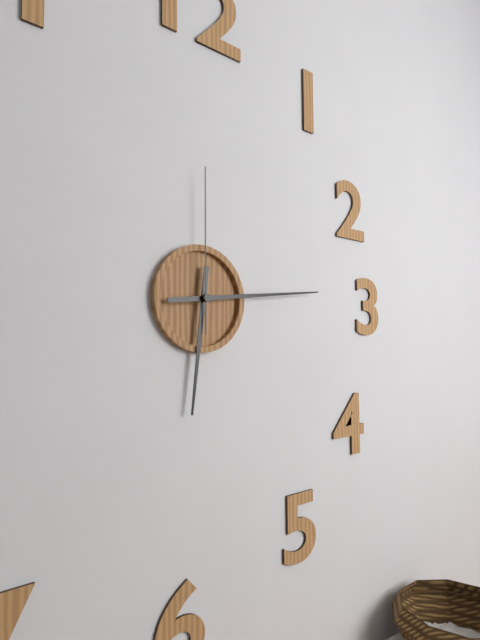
6:14:00
